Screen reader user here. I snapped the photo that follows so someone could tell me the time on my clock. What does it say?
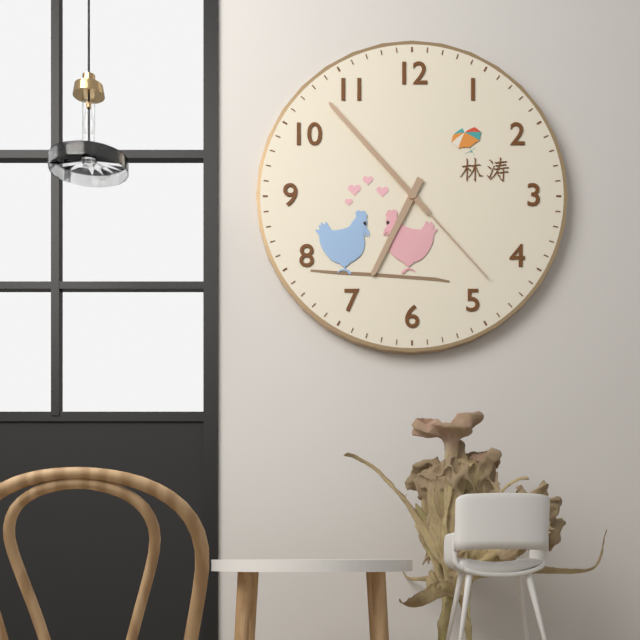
6:53:23
